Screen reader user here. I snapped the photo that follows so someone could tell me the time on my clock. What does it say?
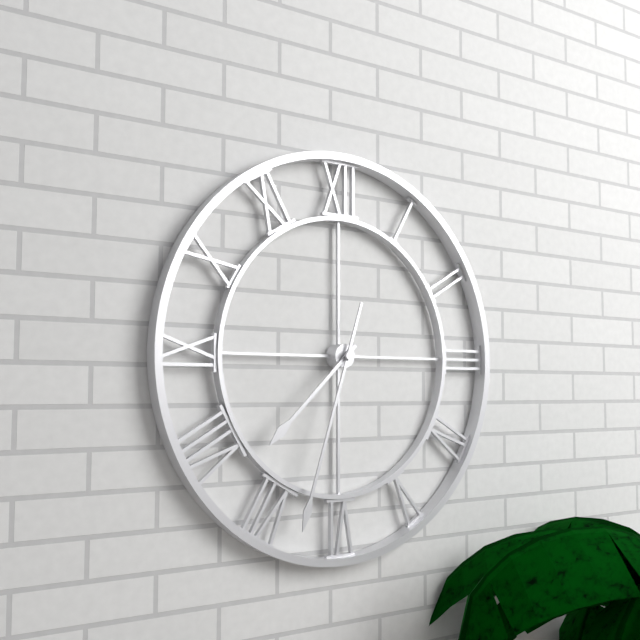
7:33
